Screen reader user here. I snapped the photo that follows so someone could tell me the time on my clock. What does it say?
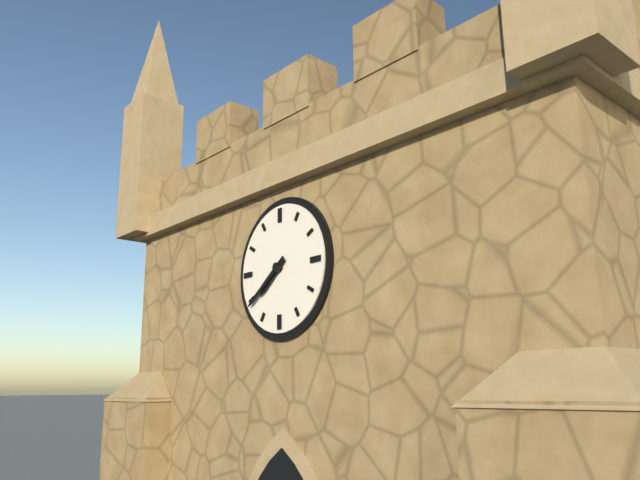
7:39
